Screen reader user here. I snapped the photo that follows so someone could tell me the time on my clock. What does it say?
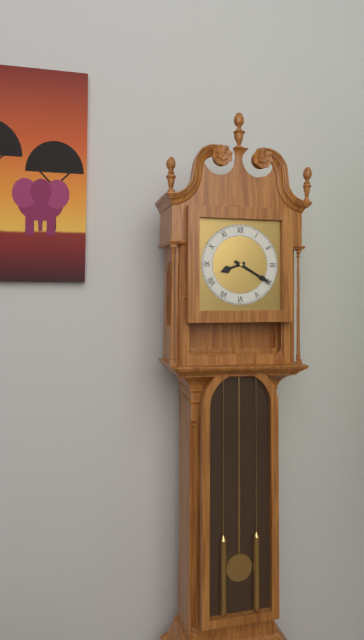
8:20
